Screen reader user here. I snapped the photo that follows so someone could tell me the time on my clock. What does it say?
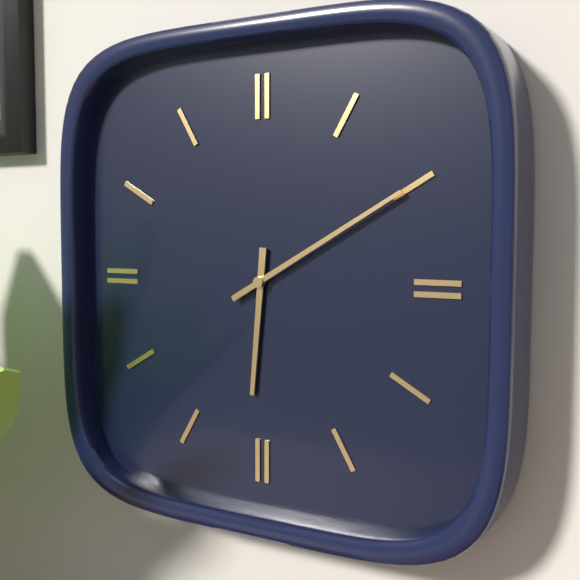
6:10
